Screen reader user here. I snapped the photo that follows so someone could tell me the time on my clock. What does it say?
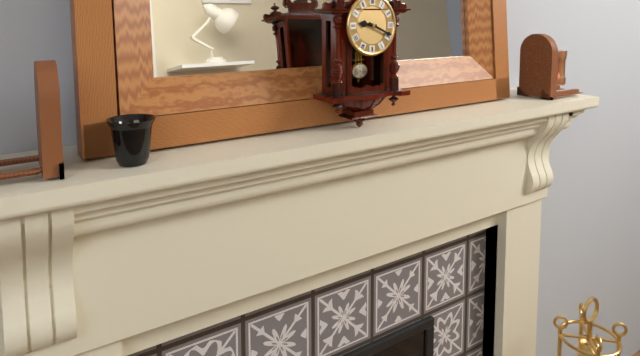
9:19
